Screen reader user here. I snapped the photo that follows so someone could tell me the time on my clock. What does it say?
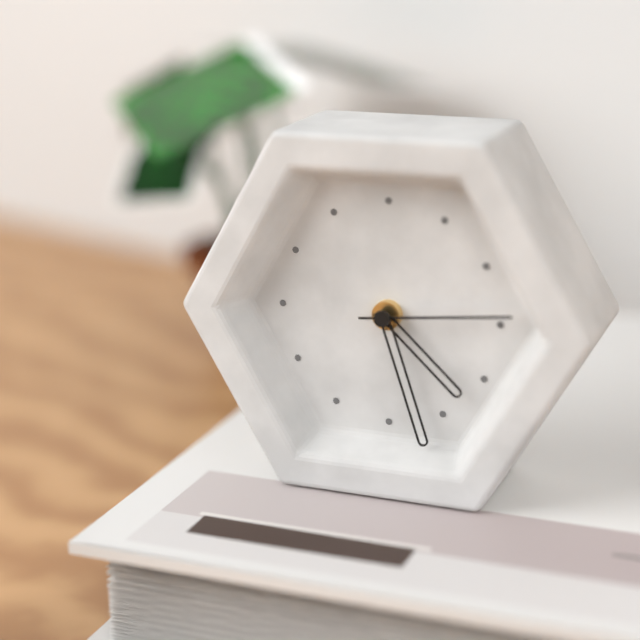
4:27:14
